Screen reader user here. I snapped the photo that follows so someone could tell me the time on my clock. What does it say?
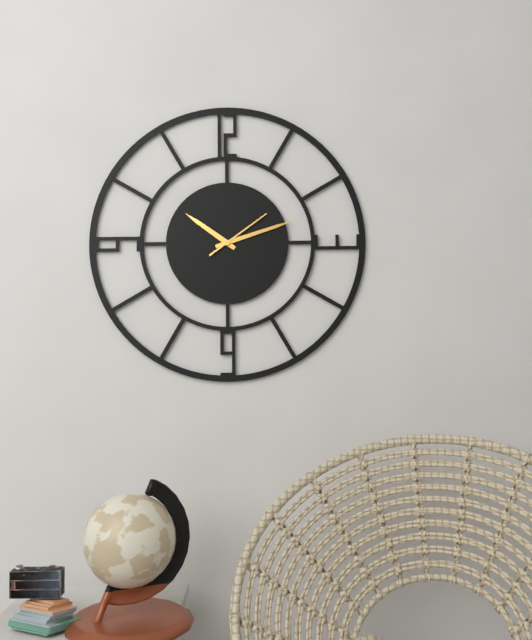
10:12:09
